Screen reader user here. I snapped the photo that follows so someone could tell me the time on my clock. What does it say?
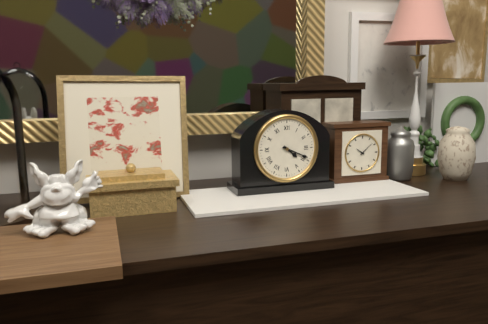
4:19
